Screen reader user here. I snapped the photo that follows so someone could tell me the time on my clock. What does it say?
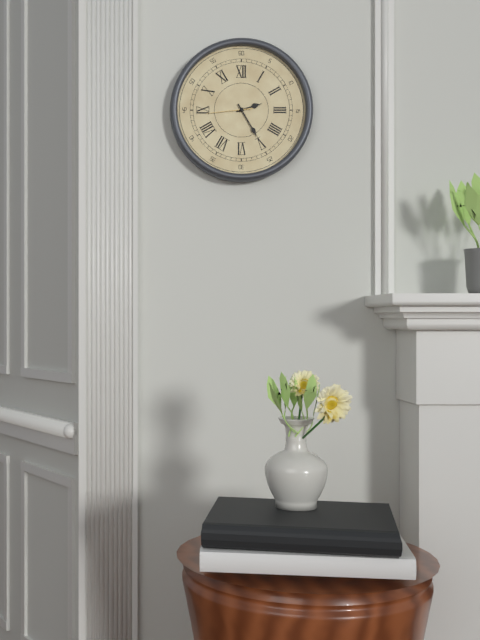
2:25
